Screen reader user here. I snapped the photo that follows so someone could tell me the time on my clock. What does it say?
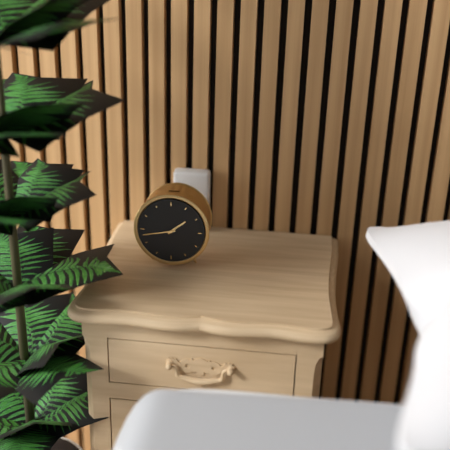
1:43
